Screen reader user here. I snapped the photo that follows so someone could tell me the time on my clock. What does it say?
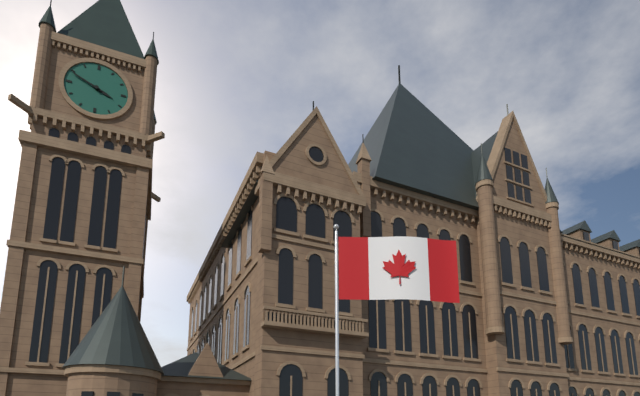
3:49
